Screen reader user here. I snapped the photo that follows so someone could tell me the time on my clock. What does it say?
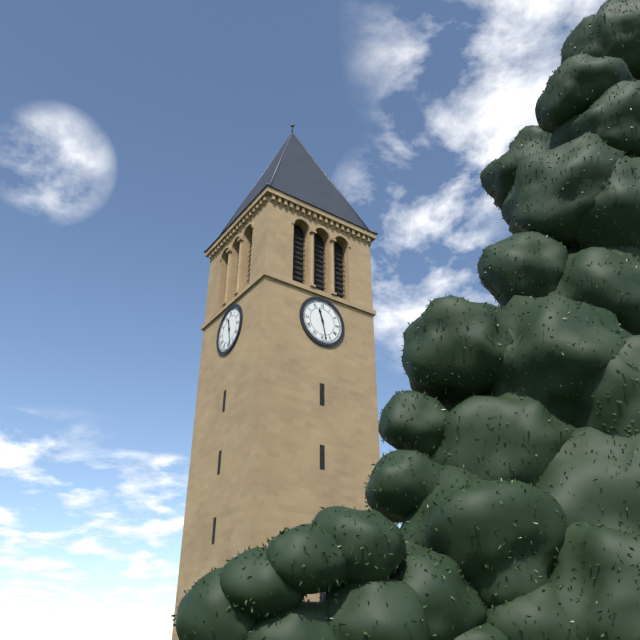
11:28
